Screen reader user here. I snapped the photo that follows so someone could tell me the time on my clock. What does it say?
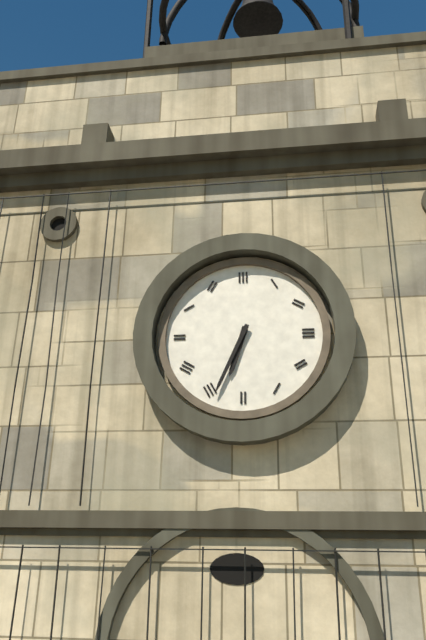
6:34
